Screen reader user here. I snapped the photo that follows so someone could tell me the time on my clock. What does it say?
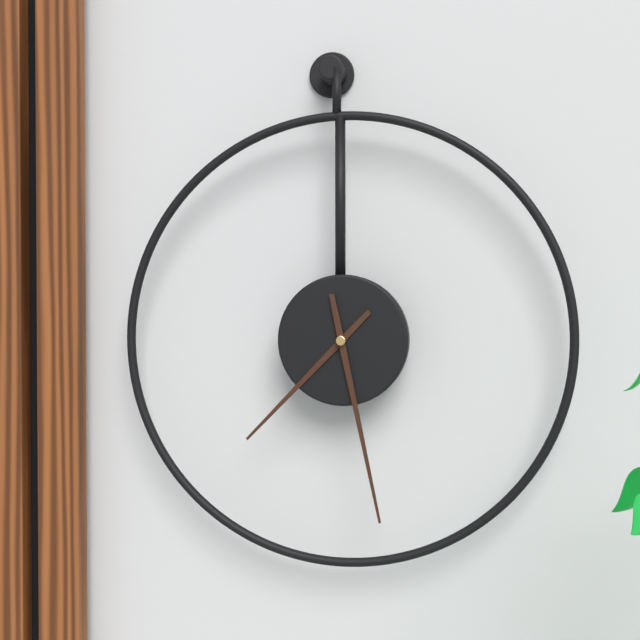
7:28
